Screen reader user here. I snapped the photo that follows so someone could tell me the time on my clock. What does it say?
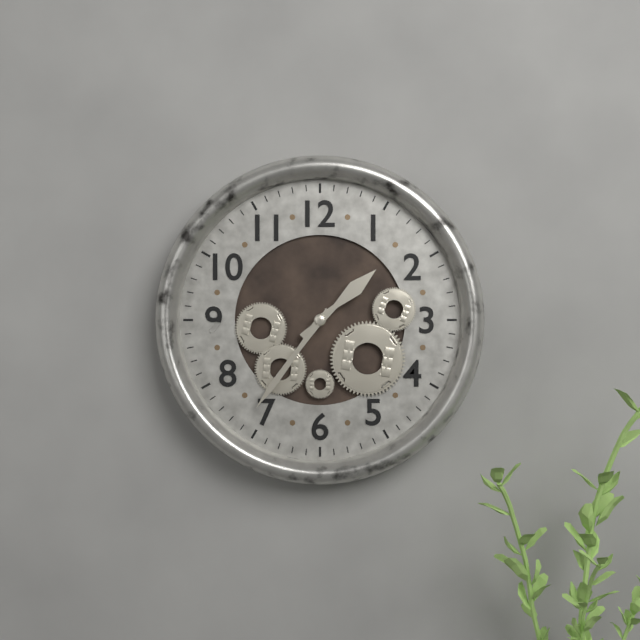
1:36
